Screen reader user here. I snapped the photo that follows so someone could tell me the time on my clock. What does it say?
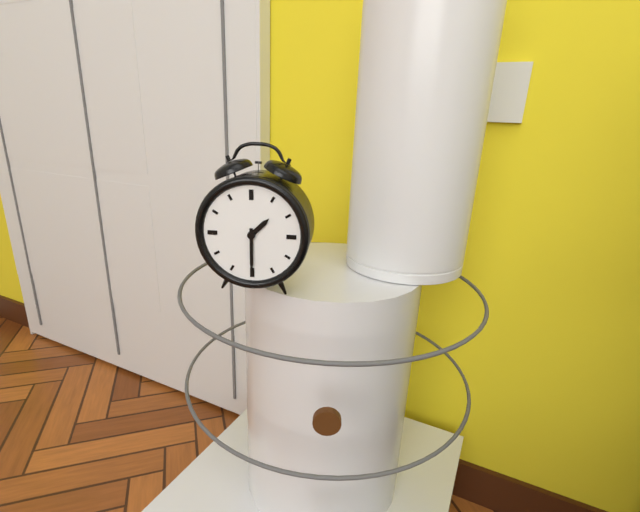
1:30
